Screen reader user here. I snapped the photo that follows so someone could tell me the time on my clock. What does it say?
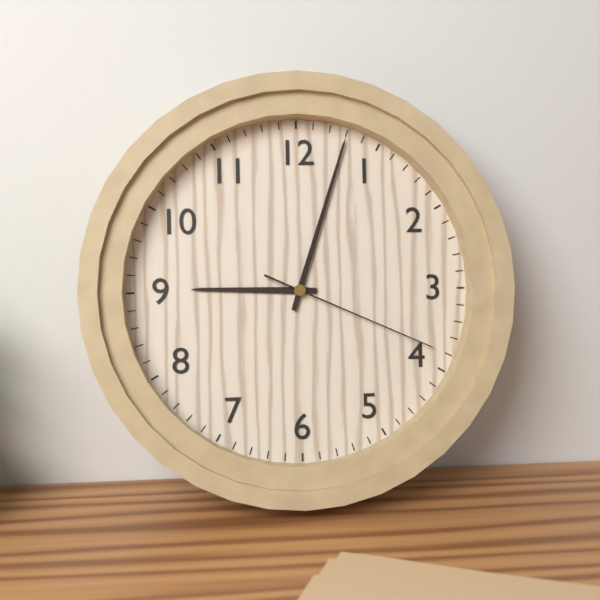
9:03:19
